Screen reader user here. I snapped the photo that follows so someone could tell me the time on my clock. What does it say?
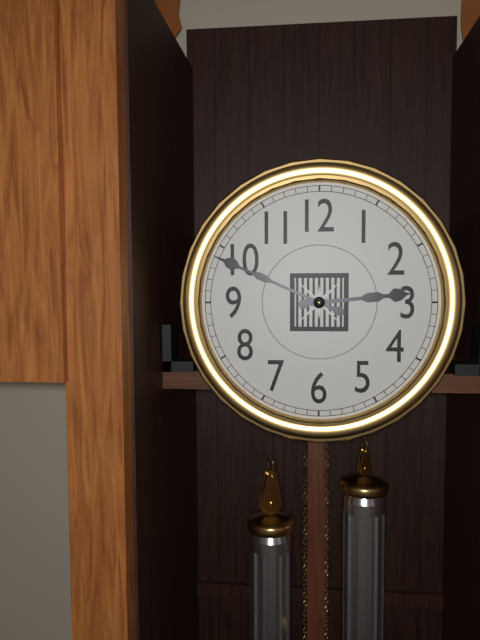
2:49
